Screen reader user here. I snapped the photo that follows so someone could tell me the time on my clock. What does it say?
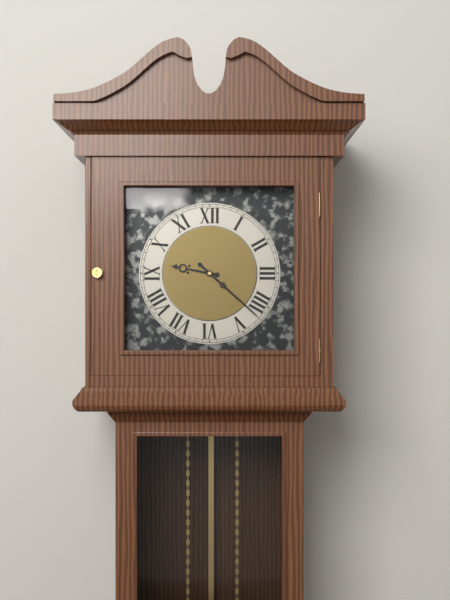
9:22
